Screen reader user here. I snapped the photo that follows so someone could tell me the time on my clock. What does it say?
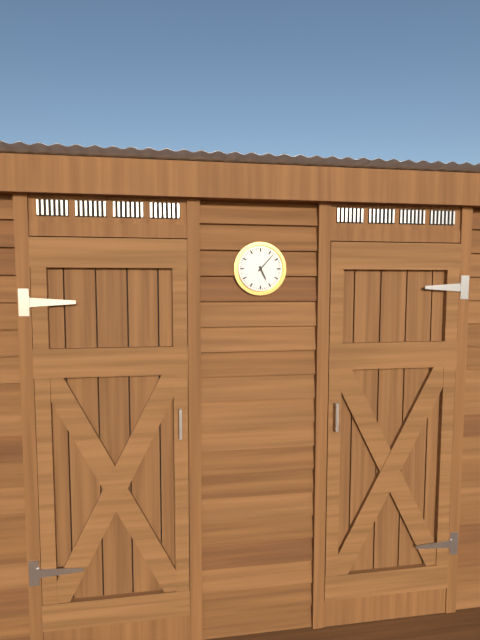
5:07
